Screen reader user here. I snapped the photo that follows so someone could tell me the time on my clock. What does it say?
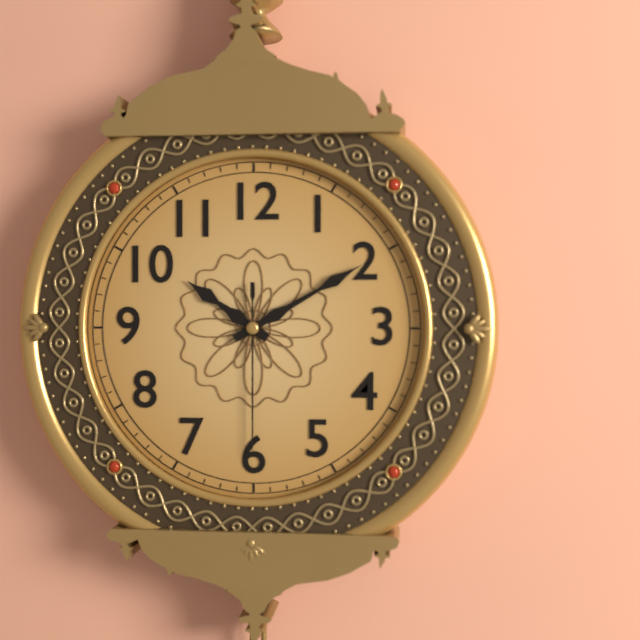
10:10:30
